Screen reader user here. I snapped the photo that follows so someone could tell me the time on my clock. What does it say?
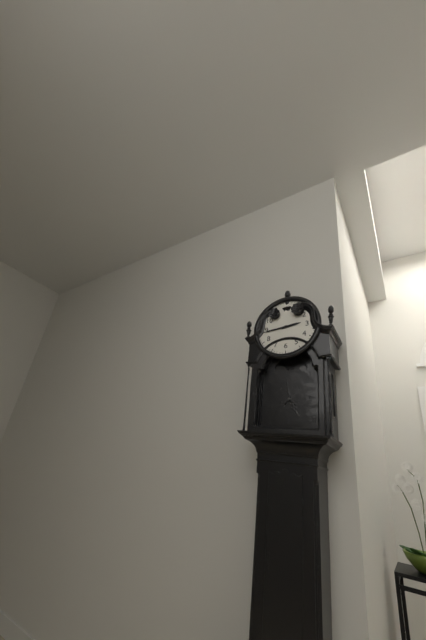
2:44
